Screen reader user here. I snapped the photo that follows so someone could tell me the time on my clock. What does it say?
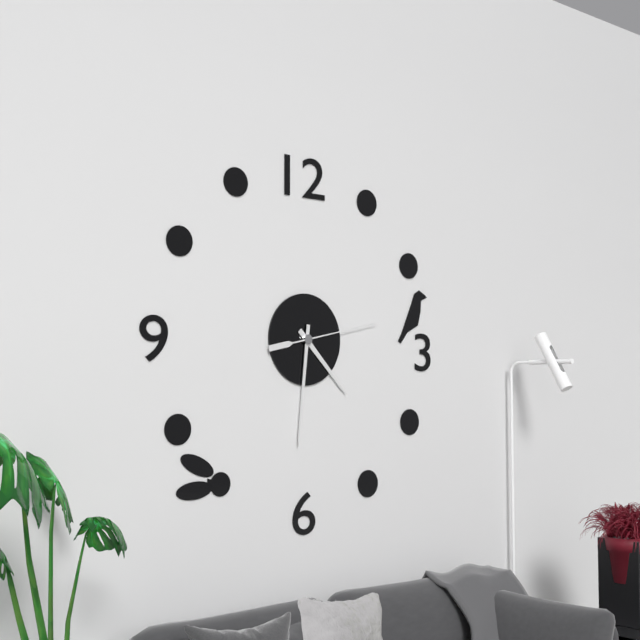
4:31:13
